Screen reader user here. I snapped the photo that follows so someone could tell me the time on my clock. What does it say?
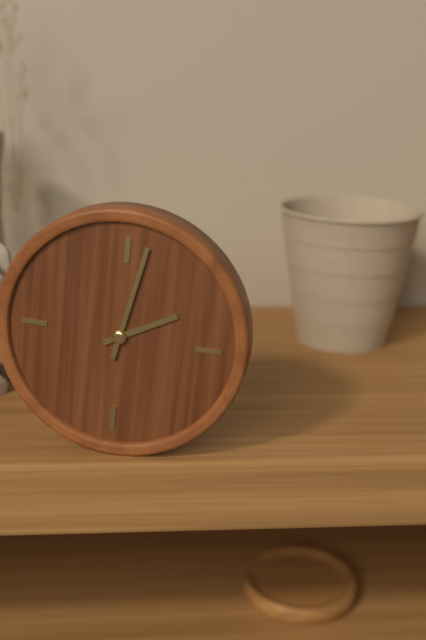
2:02
